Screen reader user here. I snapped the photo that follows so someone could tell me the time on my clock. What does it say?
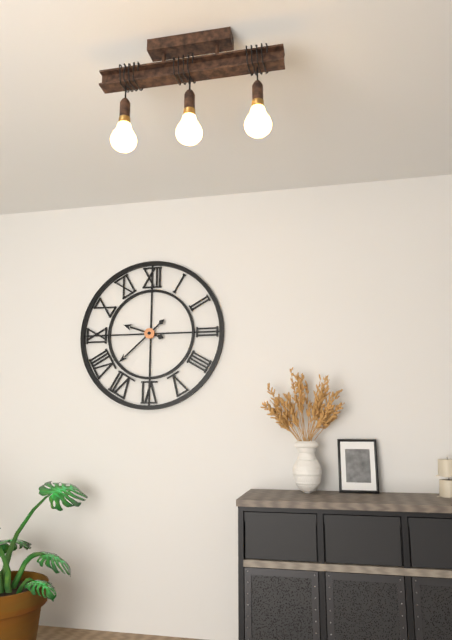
9:38
